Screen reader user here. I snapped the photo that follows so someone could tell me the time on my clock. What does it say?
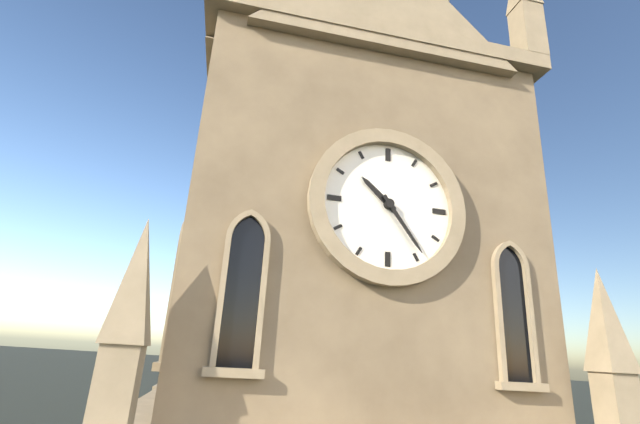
10:24
